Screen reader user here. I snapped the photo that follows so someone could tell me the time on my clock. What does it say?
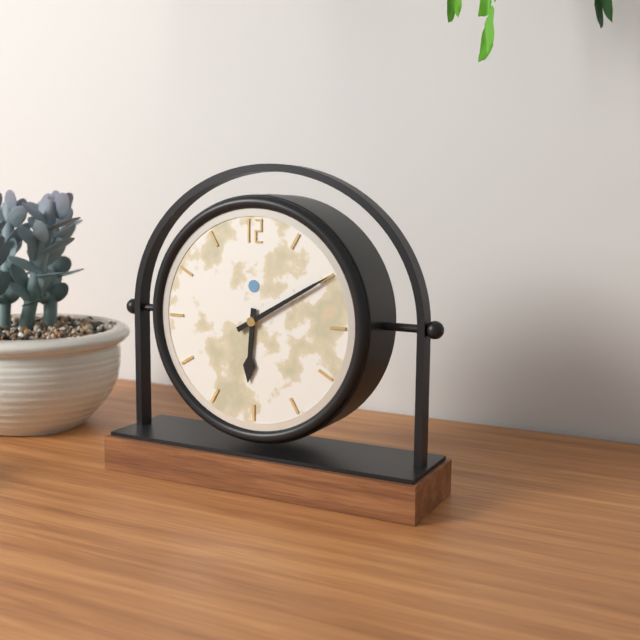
6:10
